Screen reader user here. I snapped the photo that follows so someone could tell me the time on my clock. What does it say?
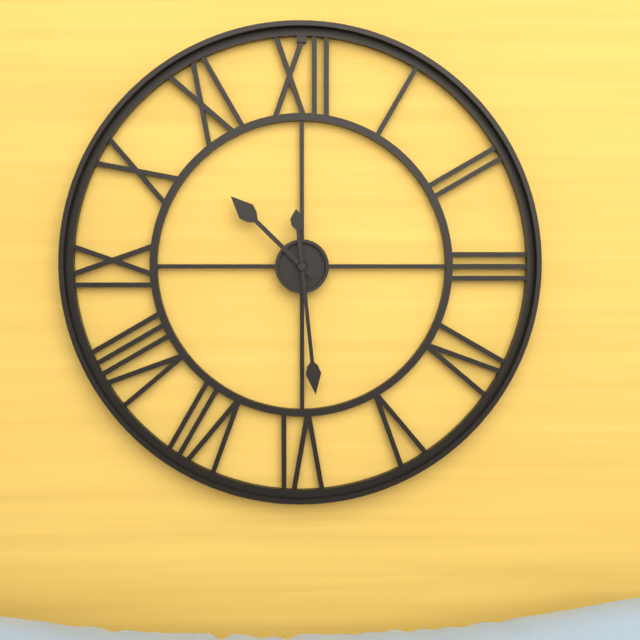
10:29
